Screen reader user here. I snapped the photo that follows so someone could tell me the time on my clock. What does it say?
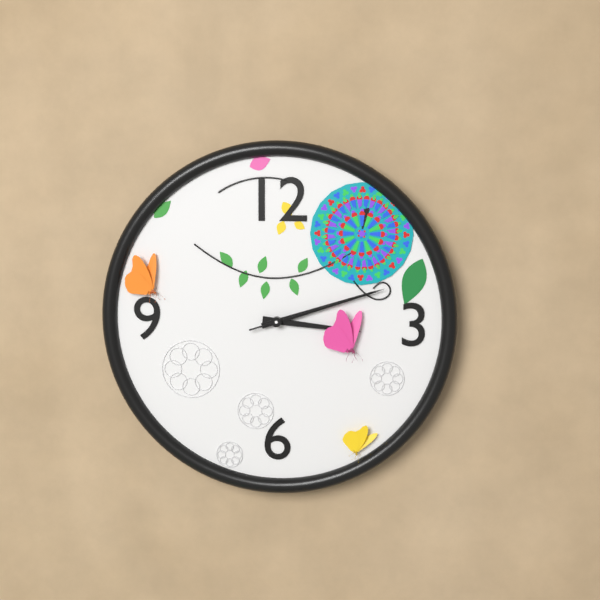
3:12:12
